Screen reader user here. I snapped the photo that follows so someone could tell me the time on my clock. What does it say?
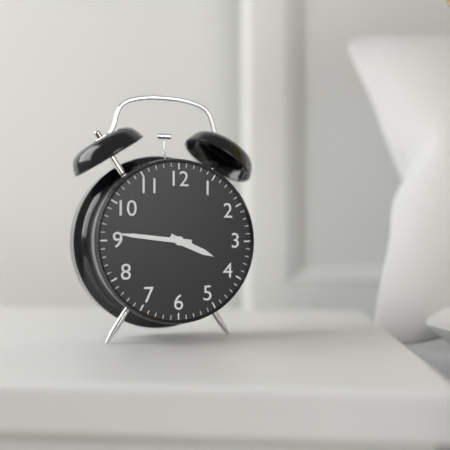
3:46
